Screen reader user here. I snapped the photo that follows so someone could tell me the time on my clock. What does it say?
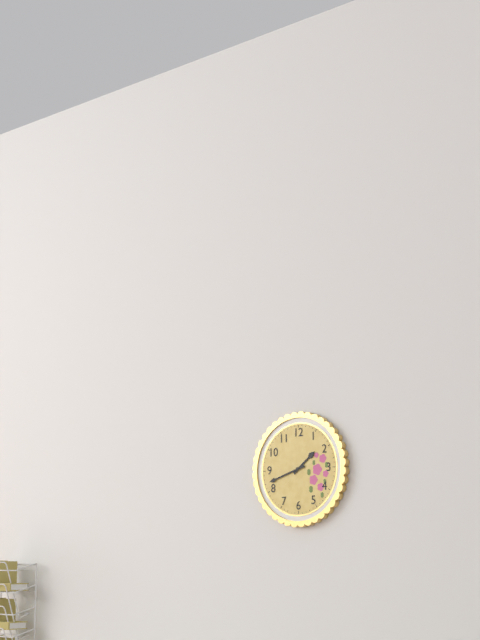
1:42
